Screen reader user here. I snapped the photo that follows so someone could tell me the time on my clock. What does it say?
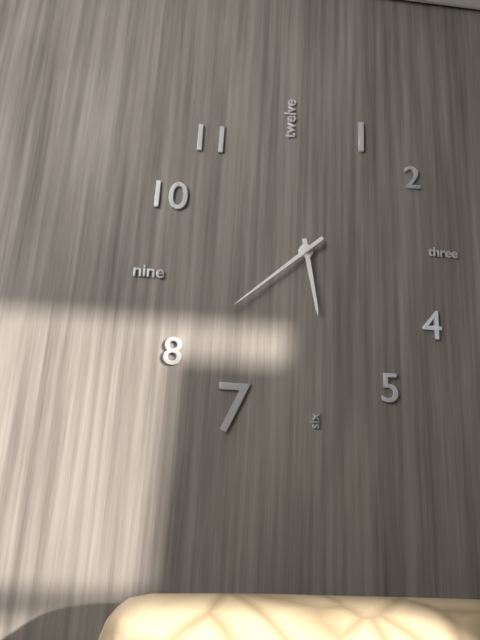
5:38
